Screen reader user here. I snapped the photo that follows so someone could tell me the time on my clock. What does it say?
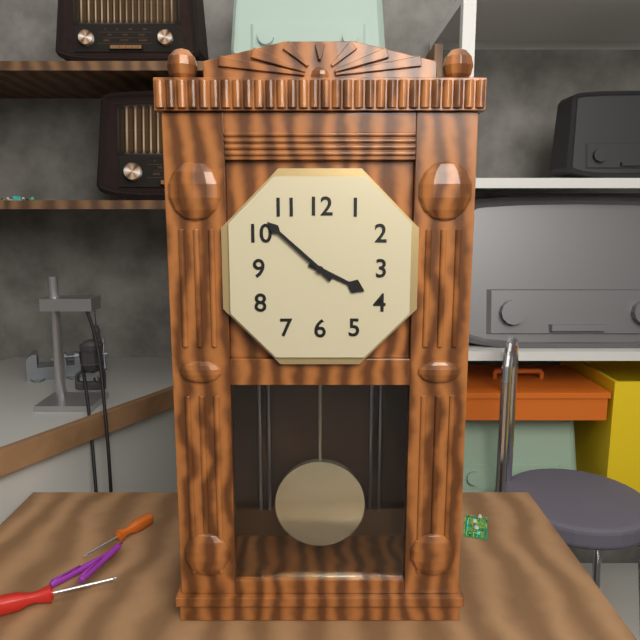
3:52
